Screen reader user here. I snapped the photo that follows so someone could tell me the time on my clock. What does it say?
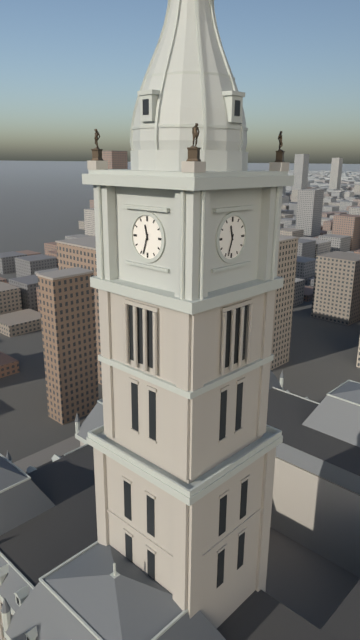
11:33
